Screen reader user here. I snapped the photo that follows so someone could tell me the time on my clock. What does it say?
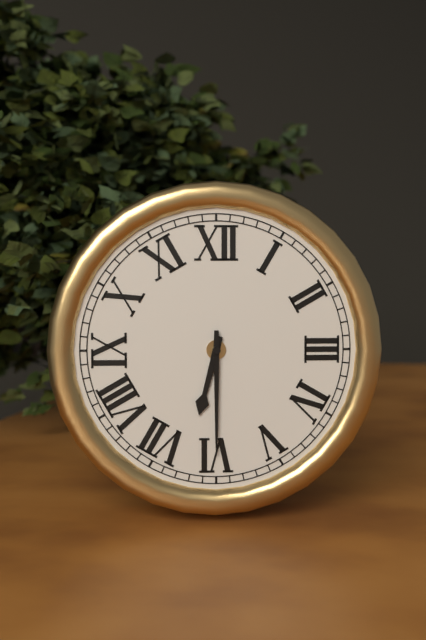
6:30
